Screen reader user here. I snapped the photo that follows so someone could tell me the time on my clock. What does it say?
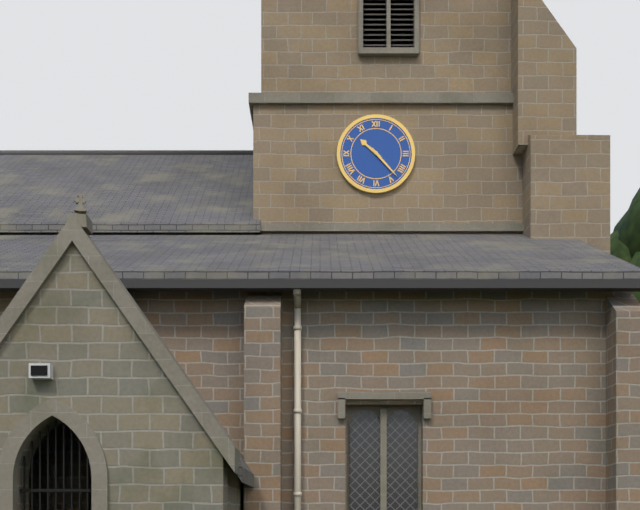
10:23
